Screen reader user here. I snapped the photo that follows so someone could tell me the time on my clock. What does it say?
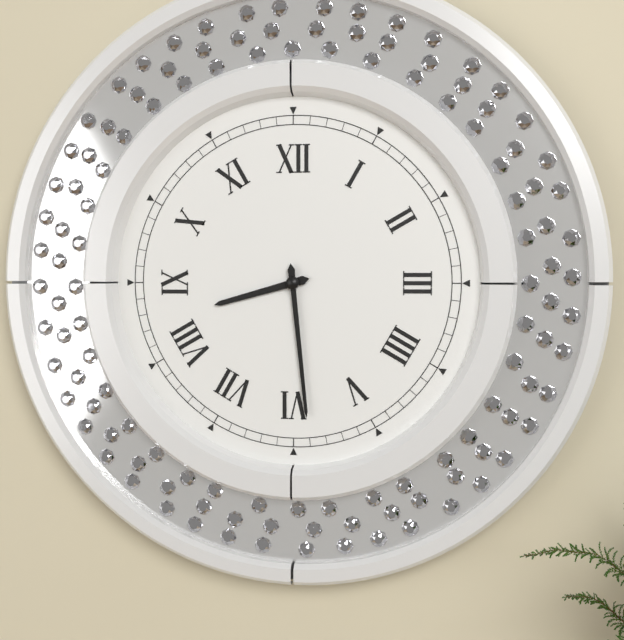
8:29
